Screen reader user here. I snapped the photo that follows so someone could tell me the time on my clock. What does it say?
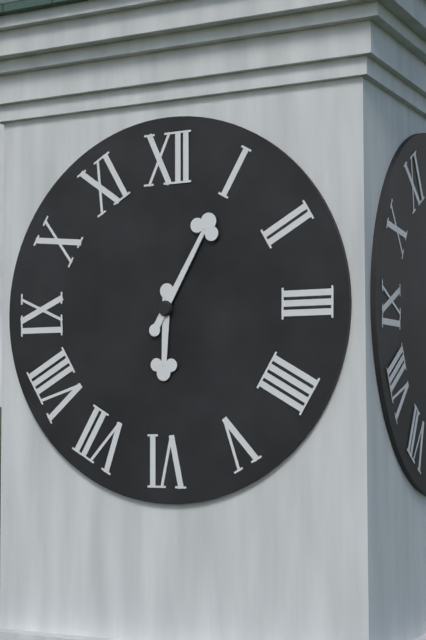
6:05
